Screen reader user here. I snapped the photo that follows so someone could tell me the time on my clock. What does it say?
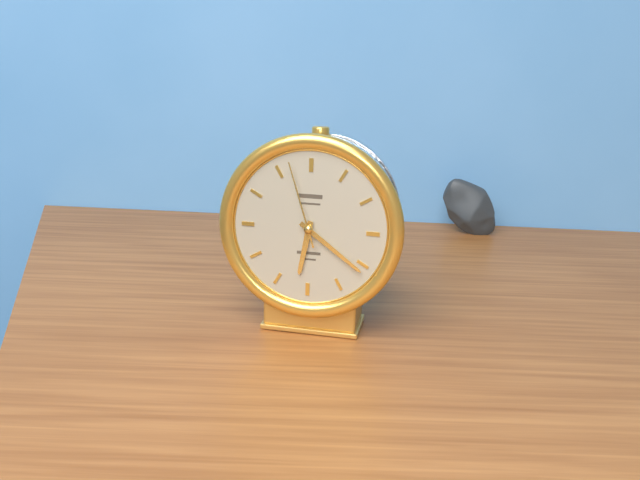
6:21:57
